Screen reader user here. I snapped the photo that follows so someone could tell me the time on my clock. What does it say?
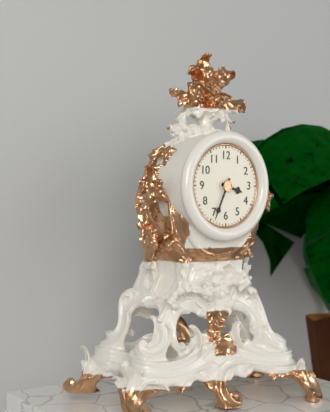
3:34
